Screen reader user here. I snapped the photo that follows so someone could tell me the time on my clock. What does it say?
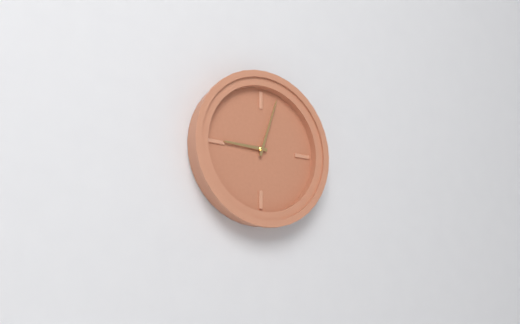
9:03
